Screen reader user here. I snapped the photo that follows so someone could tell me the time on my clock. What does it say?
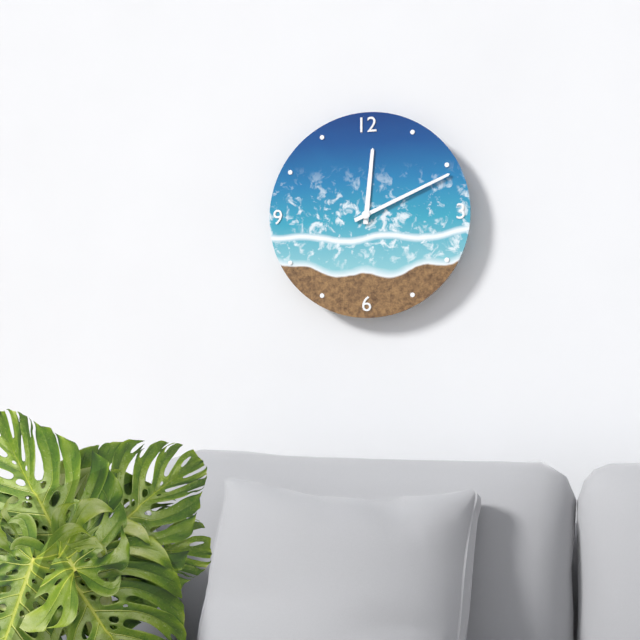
12:11
